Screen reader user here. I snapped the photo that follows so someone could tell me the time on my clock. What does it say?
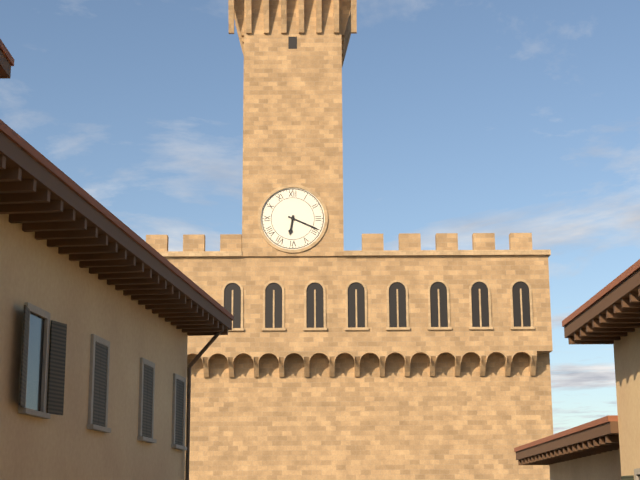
6:19
